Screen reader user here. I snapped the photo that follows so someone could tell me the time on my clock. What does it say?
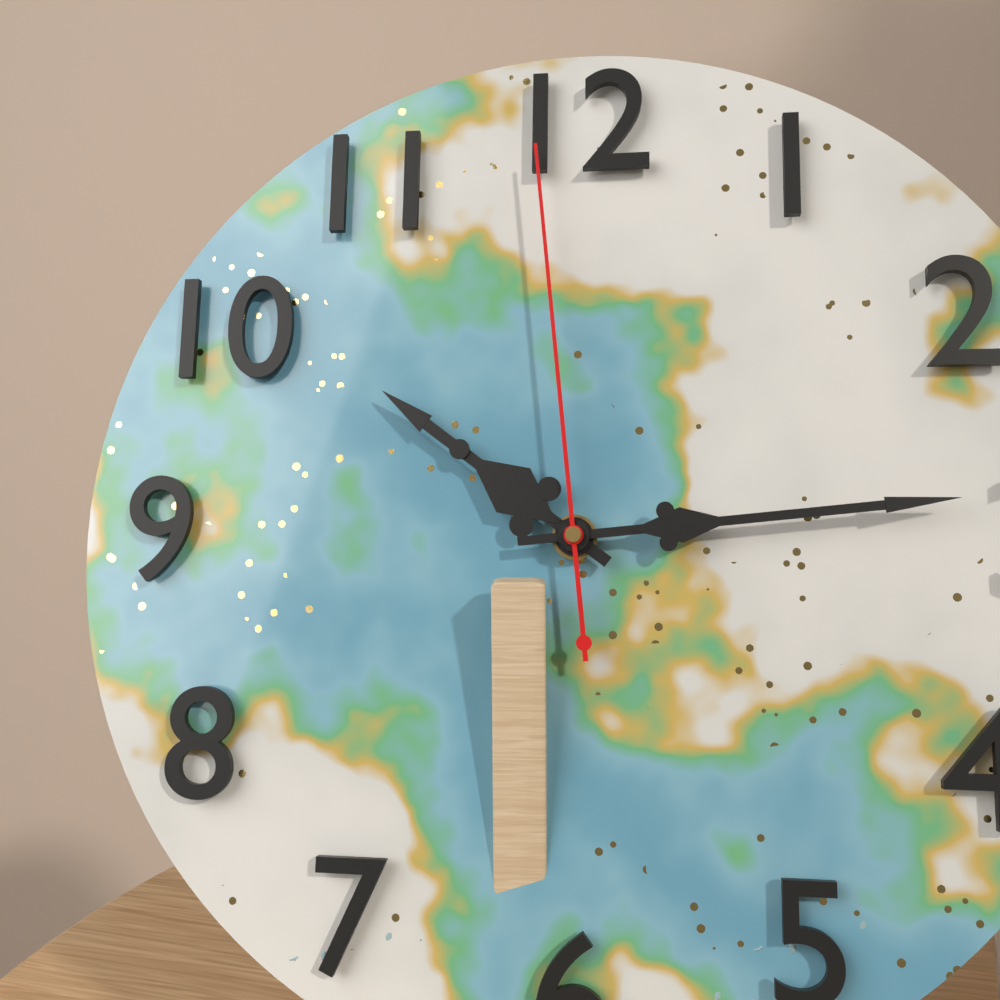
10:14:59
